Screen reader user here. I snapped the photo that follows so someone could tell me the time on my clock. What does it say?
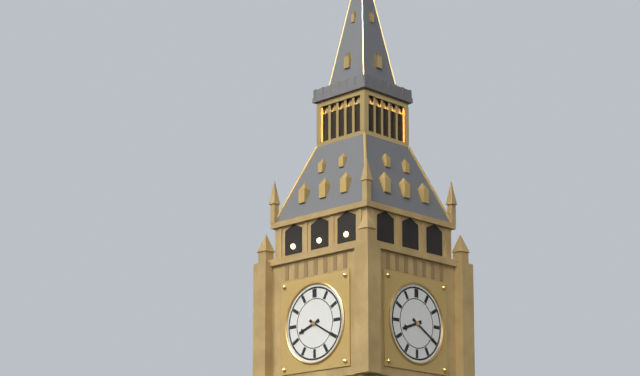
8:20
